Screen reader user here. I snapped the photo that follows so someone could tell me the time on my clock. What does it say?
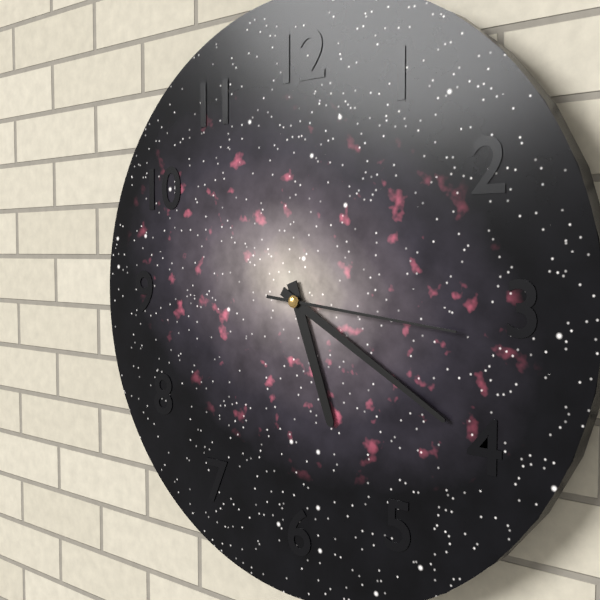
5:20:16
